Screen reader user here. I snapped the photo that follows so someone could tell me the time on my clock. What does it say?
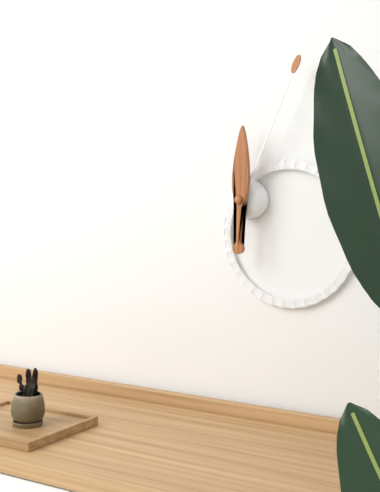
12:04
